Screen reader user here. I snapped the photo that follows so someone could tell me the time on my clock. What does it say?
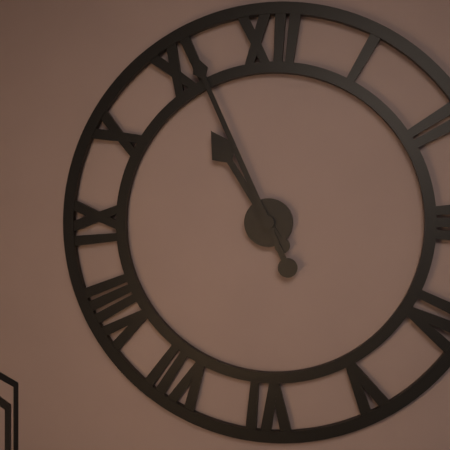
10:56
